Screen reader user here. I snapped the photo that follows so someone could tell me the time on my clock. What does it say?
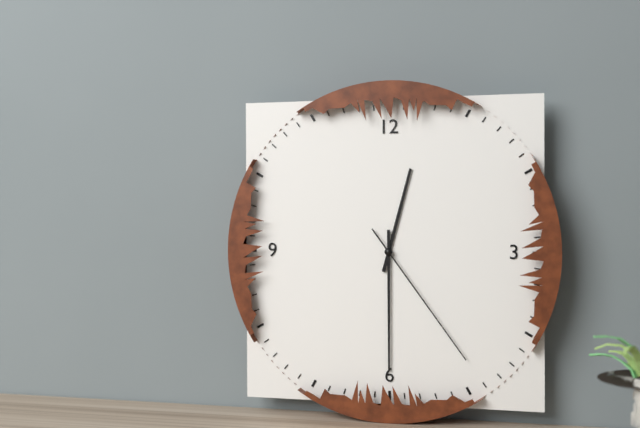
12:30:24
